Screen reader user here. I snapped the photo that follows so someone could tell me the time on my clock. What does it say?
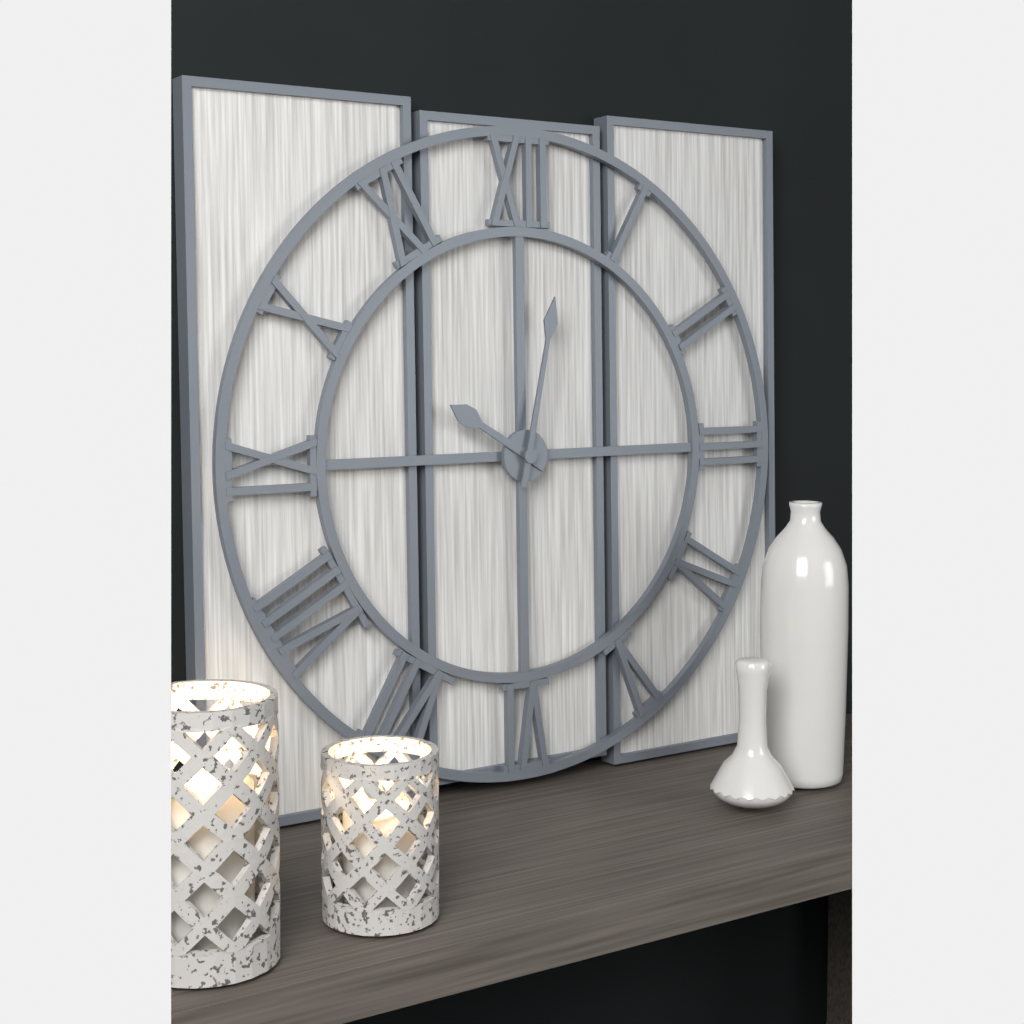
10:02
